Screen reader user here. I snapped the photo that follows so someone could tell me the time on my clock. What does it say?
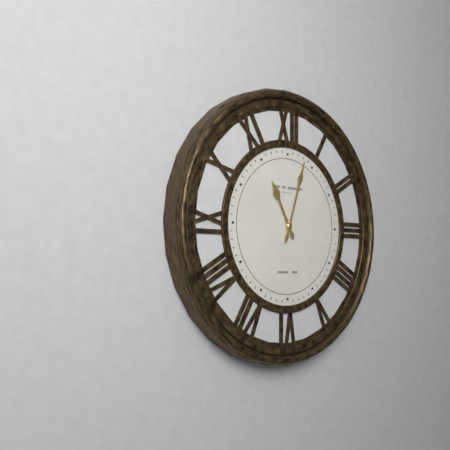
11:03
